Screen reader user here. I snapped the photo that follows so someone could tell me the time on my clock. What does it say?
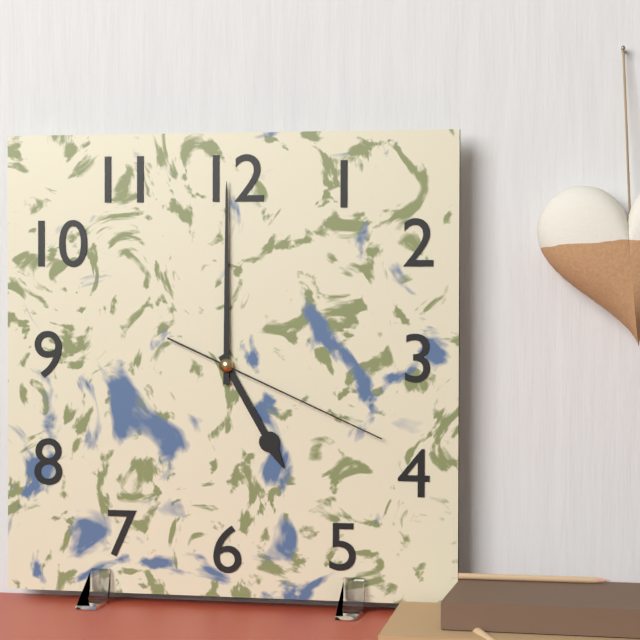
5:00:19
